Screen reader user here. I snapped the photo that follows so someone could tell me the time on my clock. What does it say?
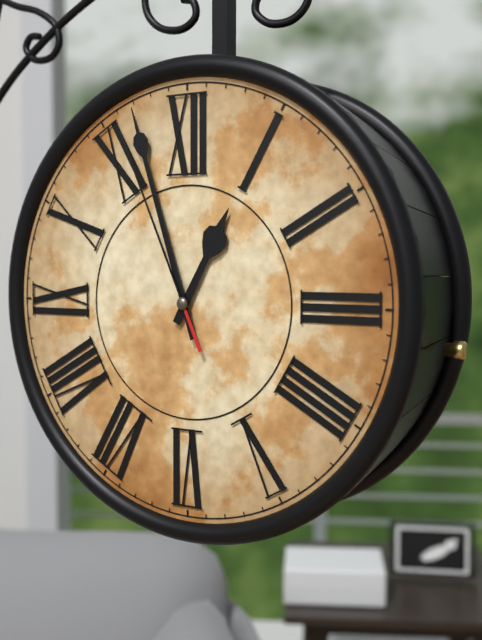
12:57:56
